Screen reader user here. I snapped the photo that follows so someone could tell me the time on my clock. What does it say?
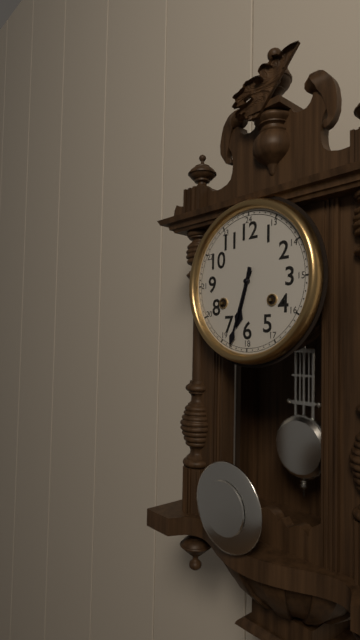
6:33
